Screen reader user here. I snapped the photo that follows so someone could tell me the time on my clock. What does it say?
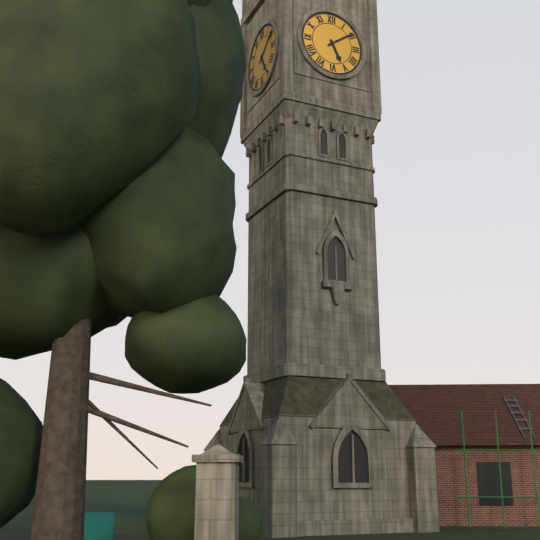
5:09
